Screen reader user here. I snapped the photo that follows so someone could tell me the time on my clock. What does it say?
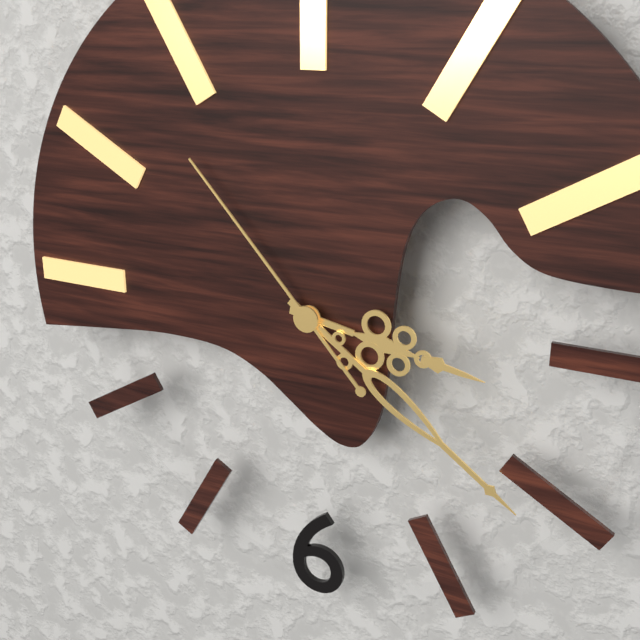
3:21:53
